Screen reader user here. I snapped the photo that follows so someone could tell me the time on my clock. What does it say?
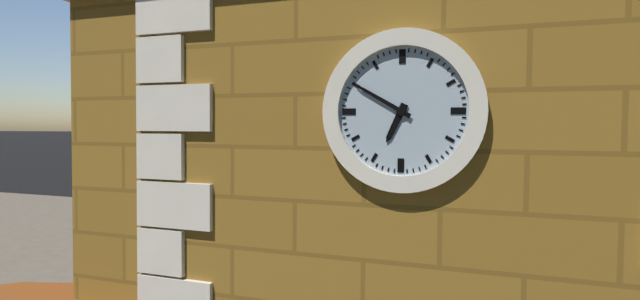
6:50
